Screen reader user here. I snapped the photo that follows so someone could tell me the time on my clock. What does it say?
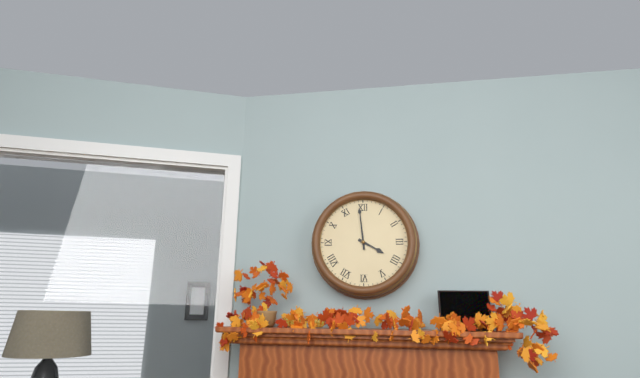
3:59
